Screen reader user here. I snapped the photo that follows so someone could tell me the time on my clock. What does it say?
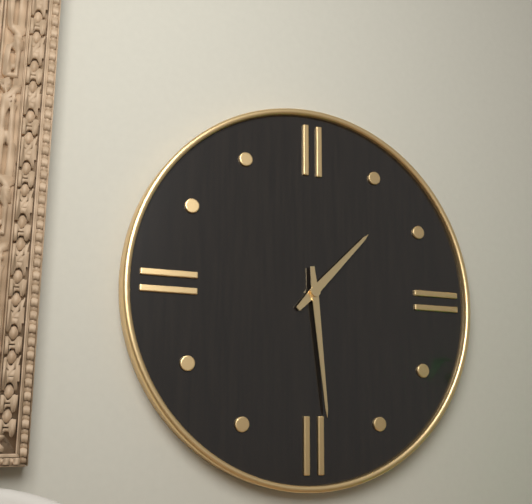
1:29
